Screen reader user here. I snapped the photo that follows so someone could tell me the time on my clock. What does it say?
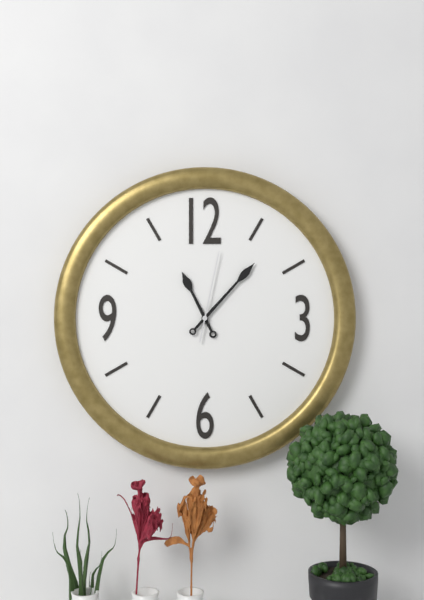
11:07:02
